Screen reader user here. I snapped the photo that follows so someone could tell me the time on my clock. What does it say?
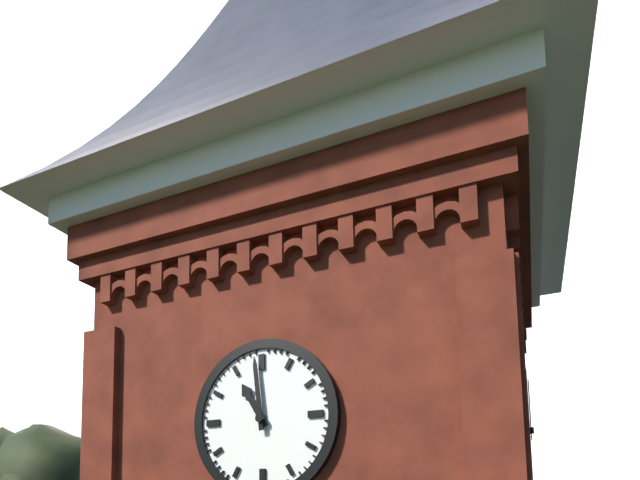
10:59
